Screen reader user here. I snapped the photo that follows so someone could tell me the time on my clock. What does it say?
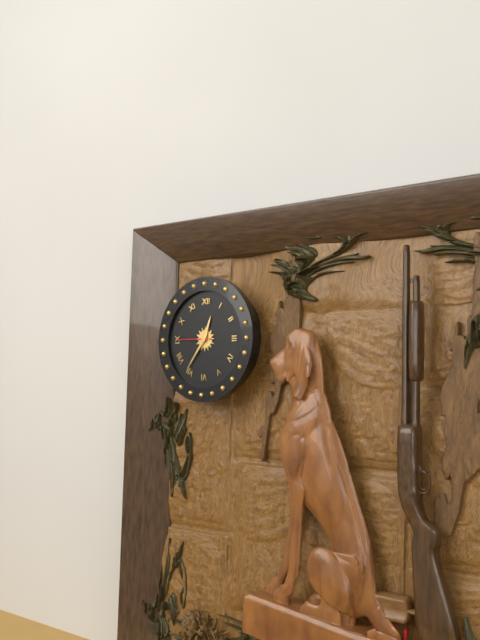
12:36
